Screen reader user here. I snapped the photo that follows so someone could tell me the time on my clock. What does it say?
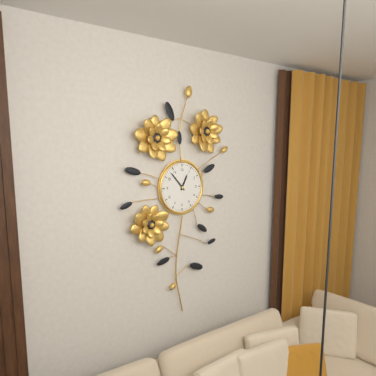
12:53
